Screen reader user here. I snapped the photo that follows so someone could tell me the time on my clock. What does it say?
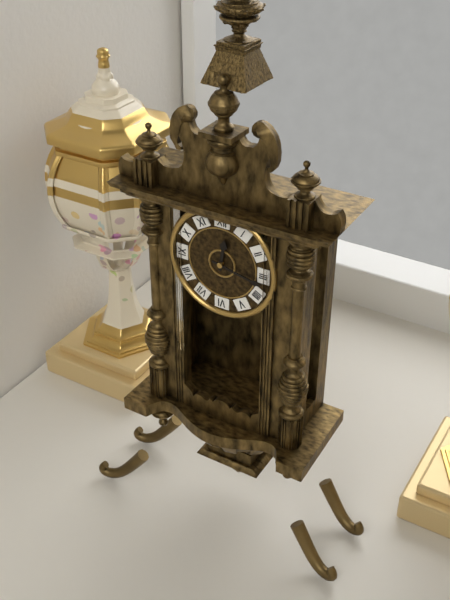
12:17
